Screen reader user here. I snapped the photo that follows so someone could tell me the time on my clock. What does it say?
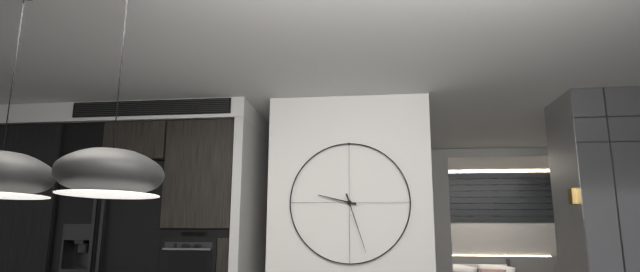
9:27
